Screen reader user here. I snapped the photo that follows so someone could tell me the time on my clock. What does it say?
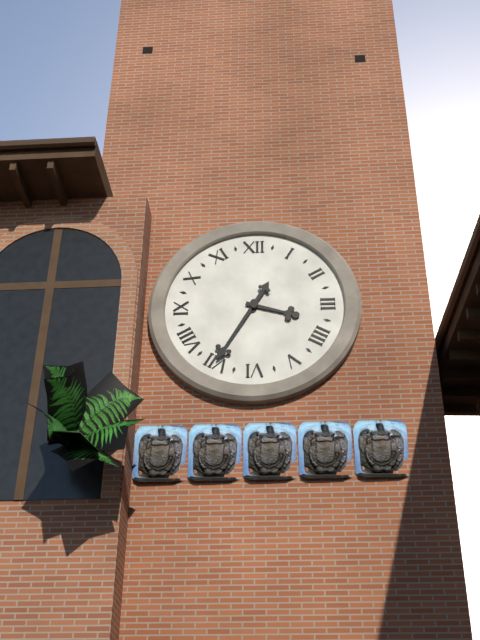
3:35
